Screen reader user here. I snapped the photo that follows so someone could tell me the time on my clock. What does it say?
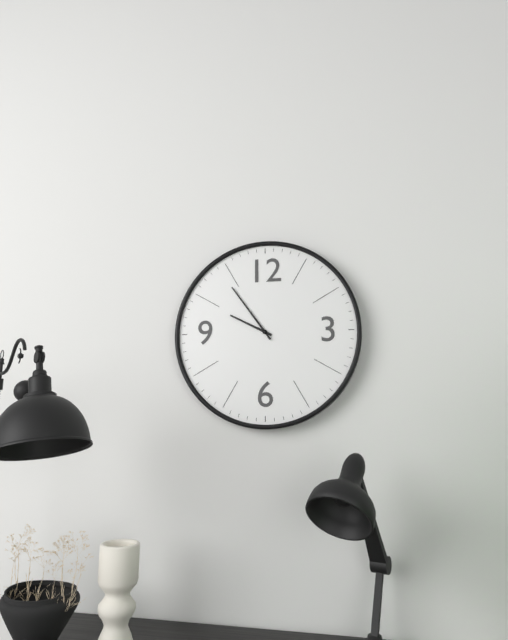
9:54
